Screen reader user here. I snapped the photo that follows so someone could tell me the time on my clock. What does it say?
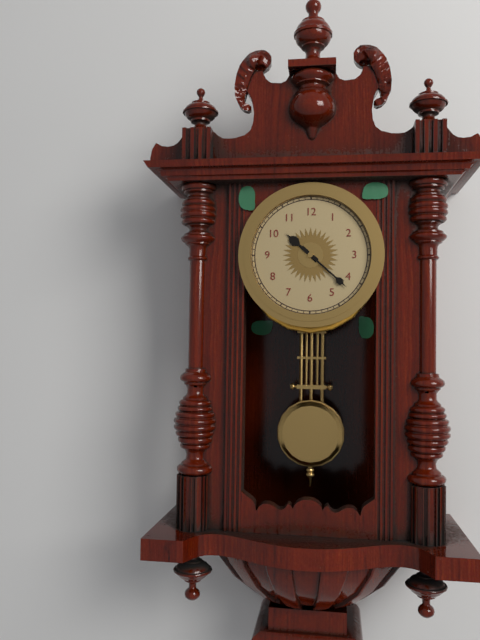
10:22
